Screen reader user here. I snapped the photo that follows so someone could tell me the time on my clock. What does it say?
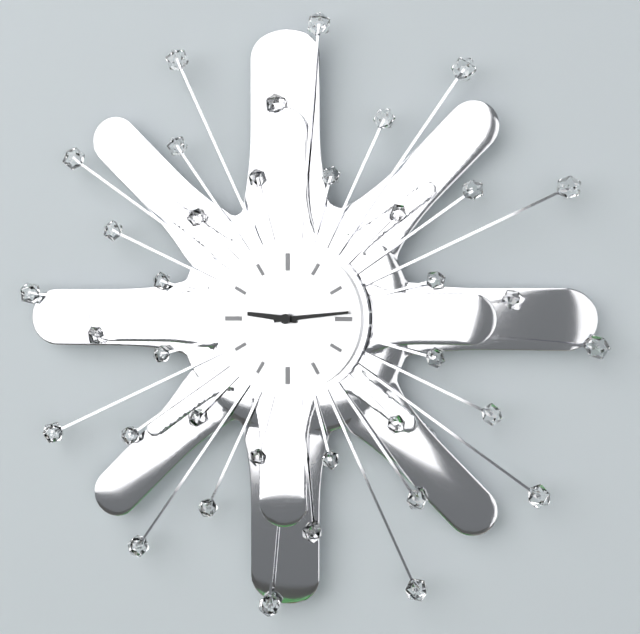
9:14
